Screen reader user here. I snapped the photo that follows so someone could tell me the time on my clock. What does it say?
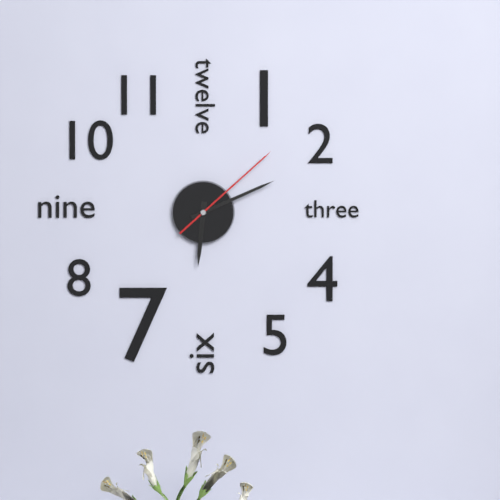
6:11:08
